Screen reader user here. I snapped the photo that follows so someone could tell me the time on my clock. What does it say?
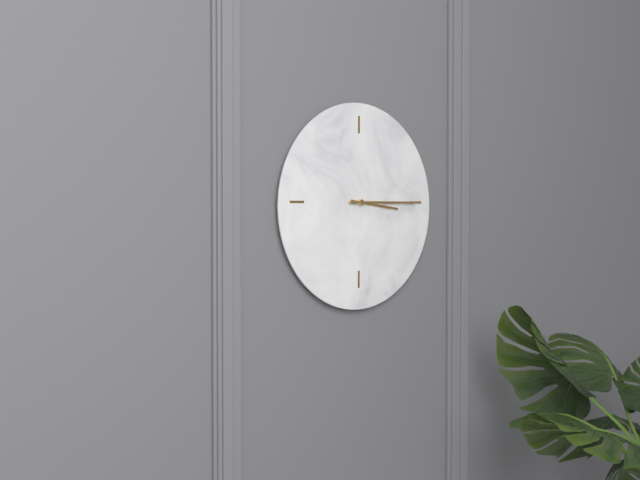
3:15
